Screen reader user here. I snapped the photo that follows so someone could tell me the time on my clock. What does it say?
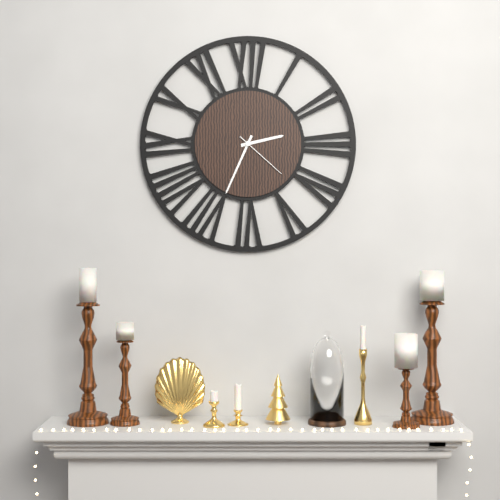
2:34:22
